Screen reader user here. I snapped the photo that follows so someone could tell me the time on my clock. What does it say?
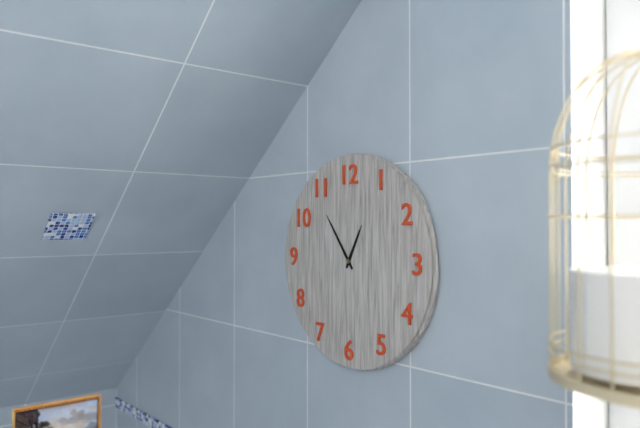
12:54
